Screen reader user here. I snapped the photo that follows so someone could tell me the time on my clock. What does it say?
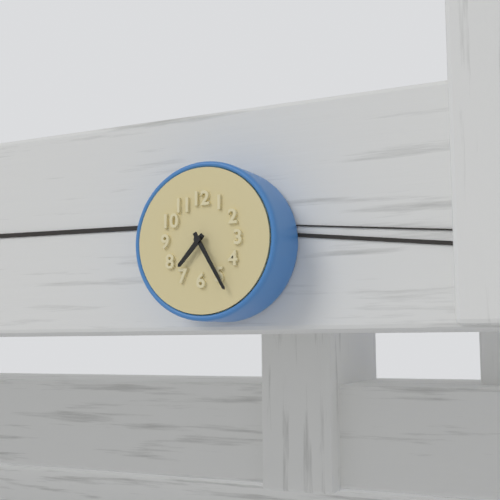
7:25
